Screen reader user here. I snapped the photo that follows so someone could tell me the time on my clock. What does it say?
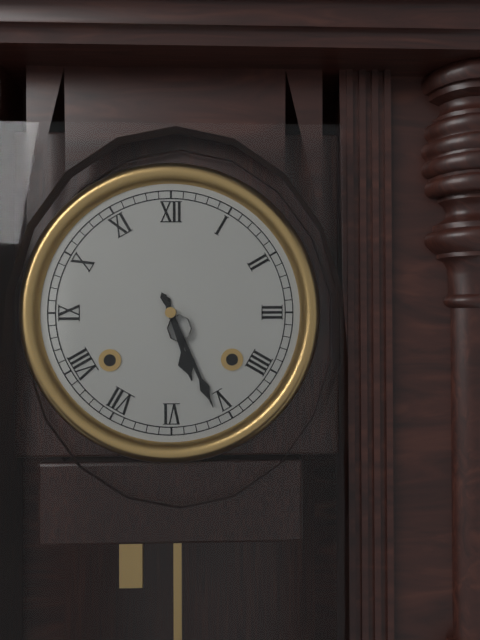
5:26
